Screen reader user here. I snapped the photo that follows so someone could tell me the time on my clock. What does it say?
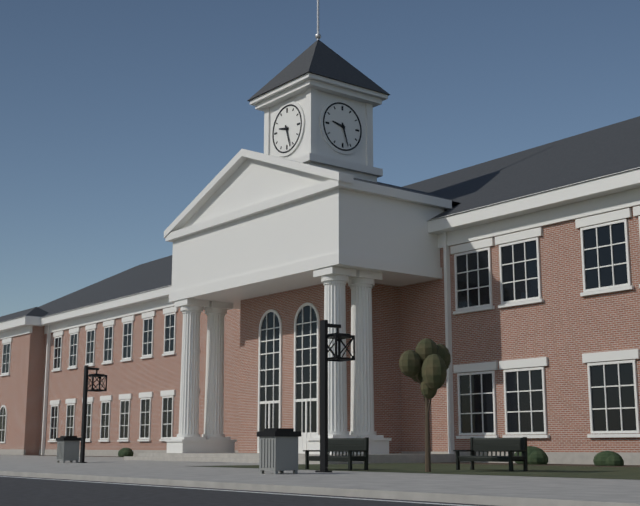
9:27
